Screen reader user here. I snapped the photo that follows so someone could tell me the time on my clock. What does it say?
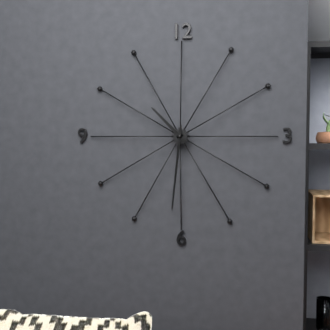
10:31
